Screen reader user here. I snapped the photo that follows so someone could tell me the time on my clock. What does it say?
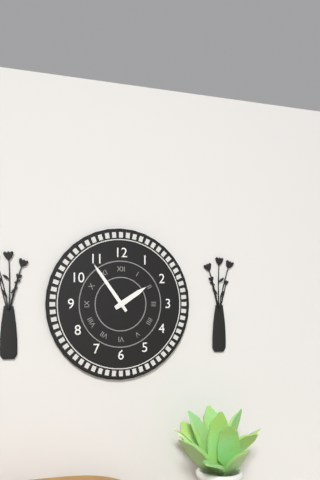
1:54
